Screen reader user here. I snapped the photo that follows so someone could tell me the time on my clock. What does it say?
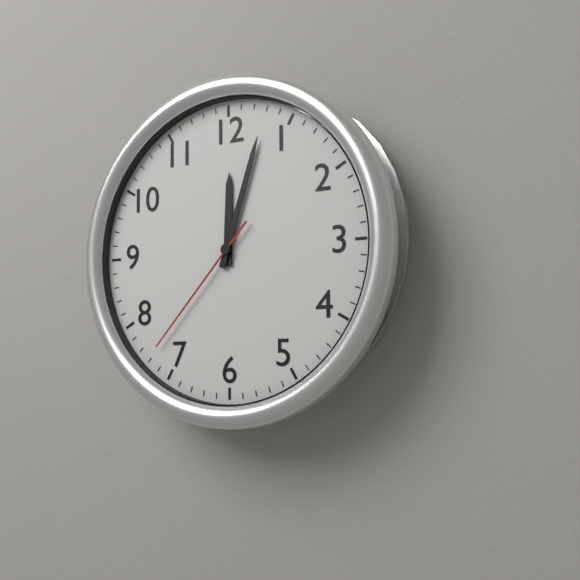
12:03:37
